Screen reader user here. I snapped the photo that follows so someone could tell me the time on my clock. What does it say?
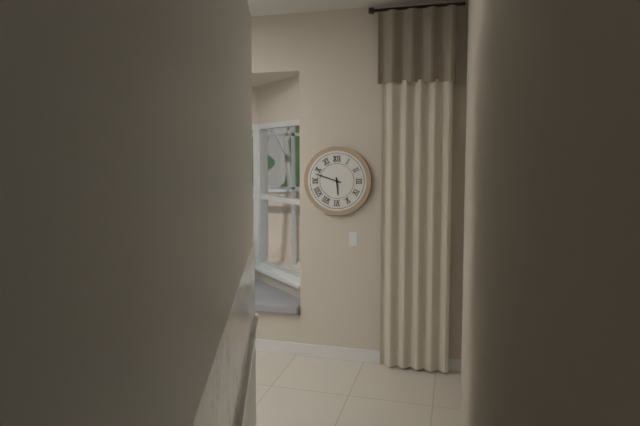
5:48
